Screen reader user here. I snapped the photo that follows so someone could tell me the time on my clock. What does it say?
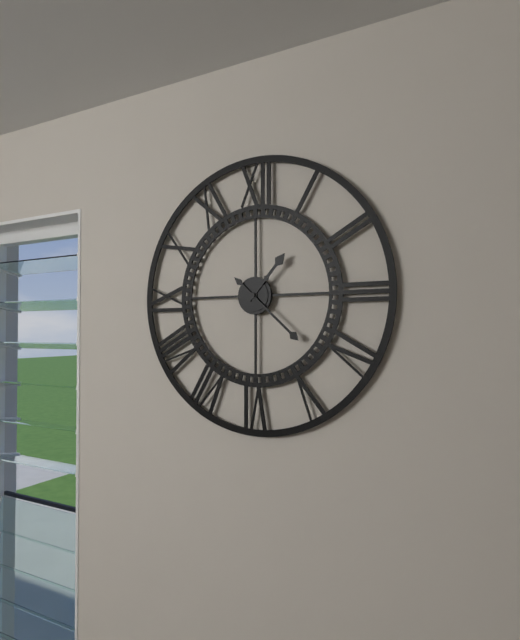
1:22
